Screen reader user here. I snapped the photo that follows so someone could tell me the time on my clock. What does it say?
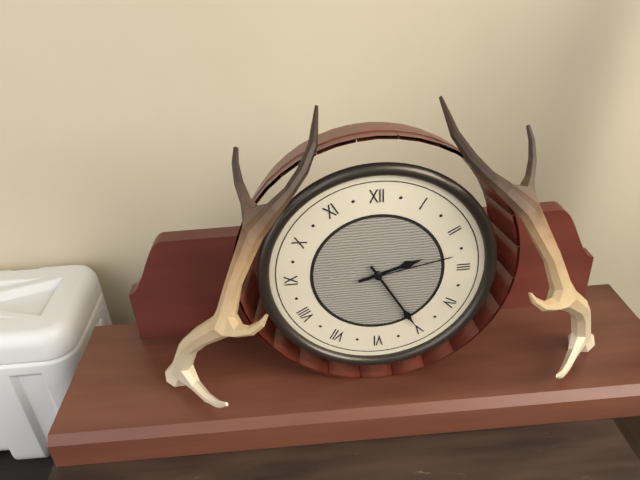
2:25:13
